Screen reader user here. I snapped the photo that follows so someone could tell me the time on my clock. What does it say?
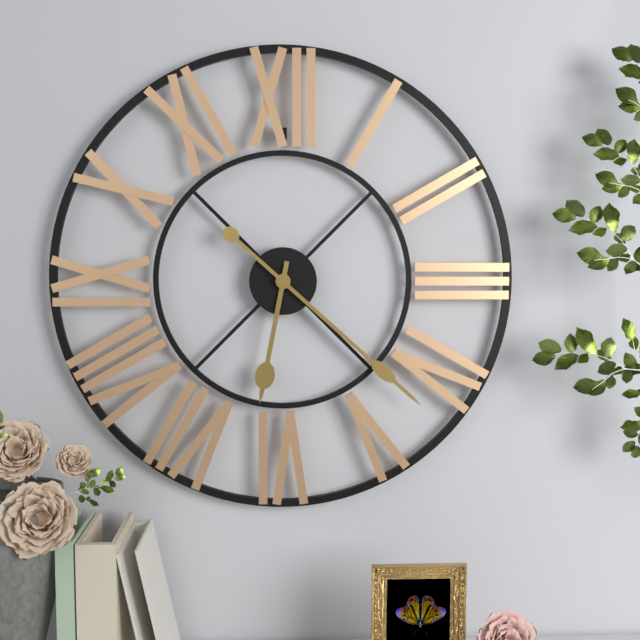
6:22
